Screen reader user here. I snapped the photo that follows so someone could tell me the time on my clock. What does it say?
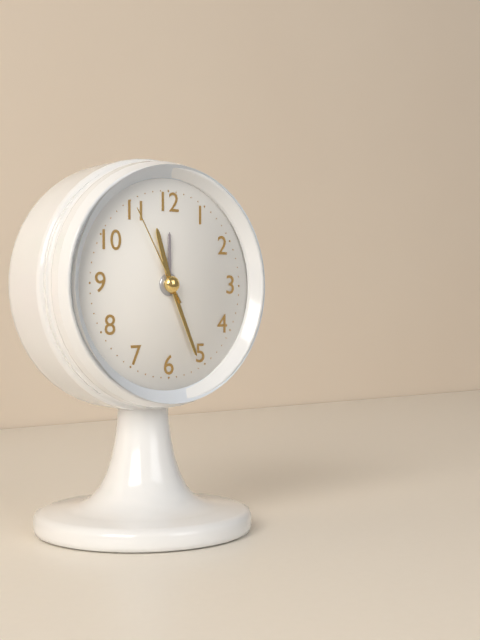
11:26:55
